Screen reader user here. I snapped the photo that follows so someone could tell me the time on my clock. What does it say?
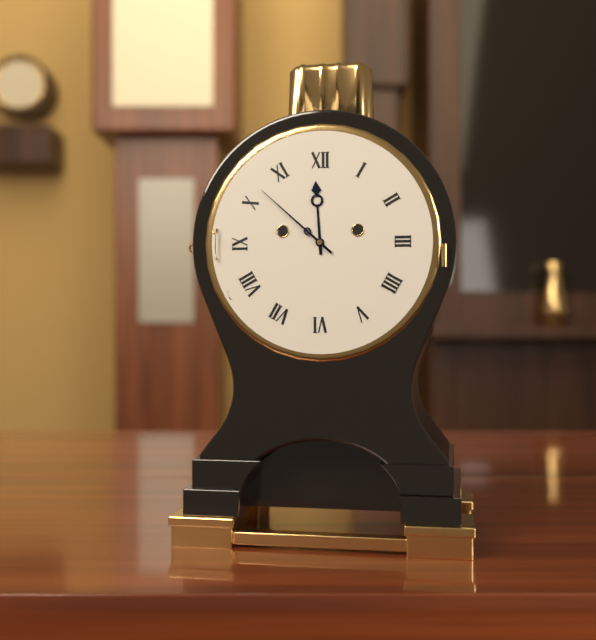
11:52
